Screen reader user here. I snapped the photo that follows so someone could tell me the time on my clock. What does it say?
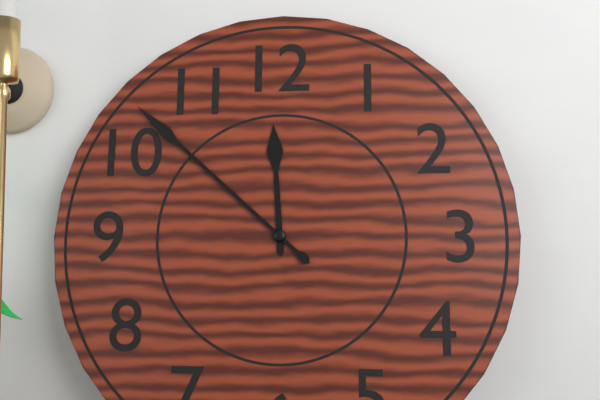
11:52
